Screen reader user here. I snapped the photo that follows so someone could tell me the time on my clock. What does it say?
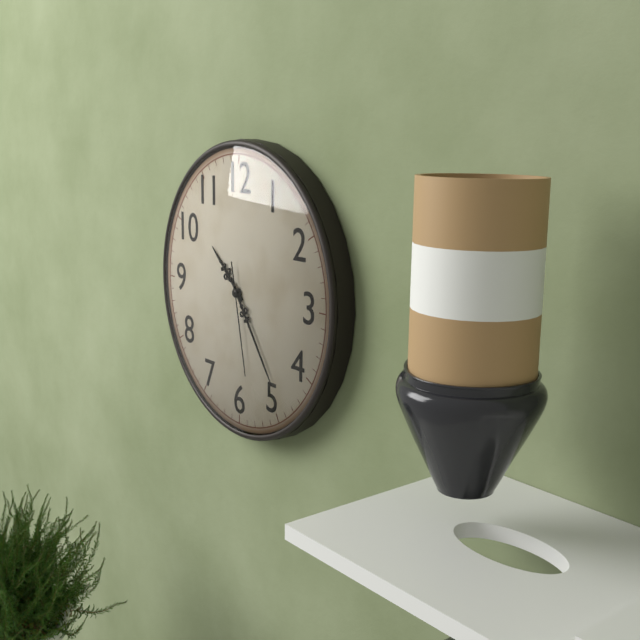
10:24:28
